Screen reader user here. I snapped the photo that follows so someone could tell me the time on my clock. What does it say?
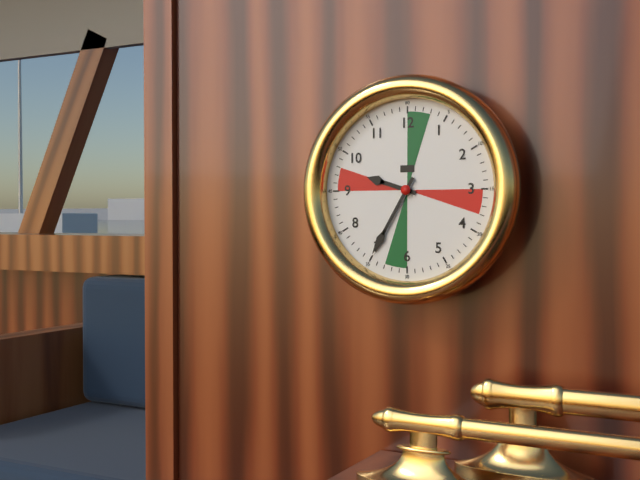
9:35
